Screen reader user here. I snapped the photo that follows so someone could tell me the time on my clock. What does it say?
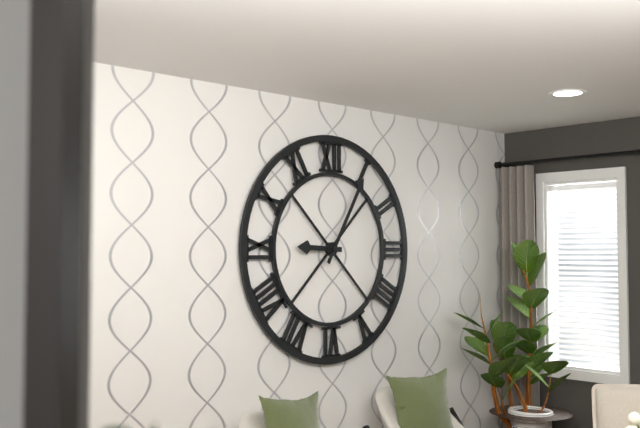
9:05
